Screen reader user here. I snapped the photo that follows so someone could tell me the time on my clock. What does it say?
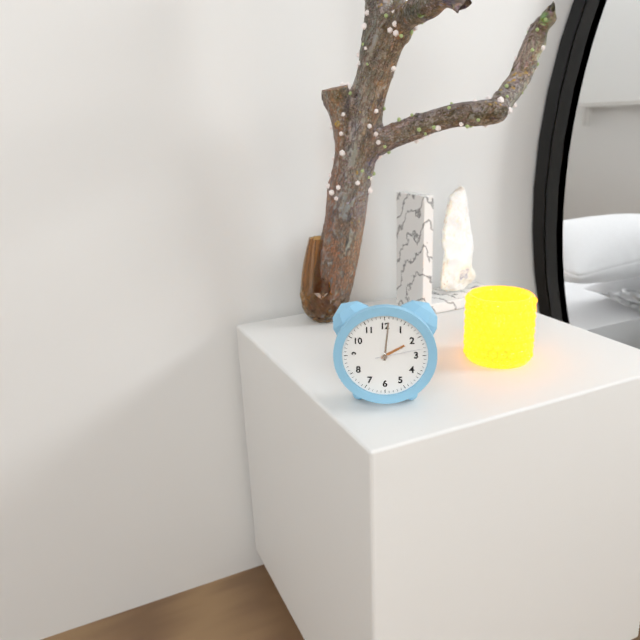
2:01
